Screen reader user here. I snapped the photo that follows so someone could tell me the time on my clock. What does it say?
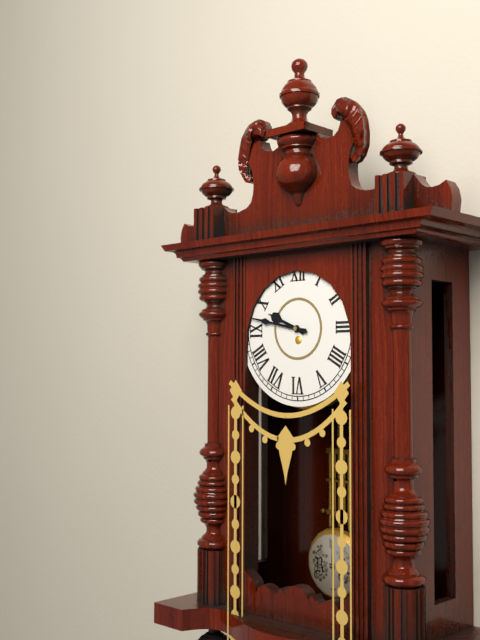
9:47
